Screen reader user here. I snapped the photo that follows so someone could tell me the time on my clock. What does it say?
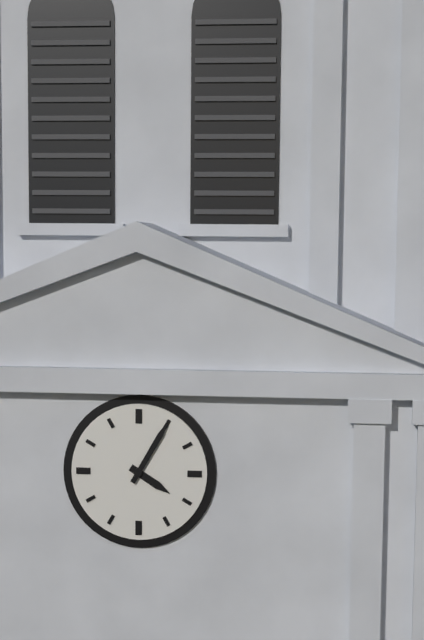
4:05
